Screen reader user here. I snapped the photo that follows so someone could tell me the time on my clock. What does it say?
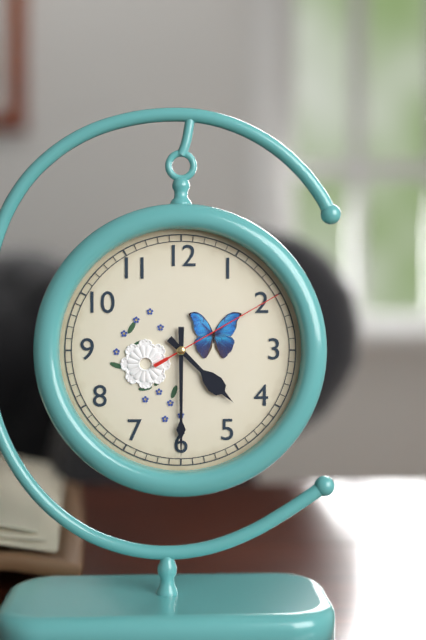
4:30:10
